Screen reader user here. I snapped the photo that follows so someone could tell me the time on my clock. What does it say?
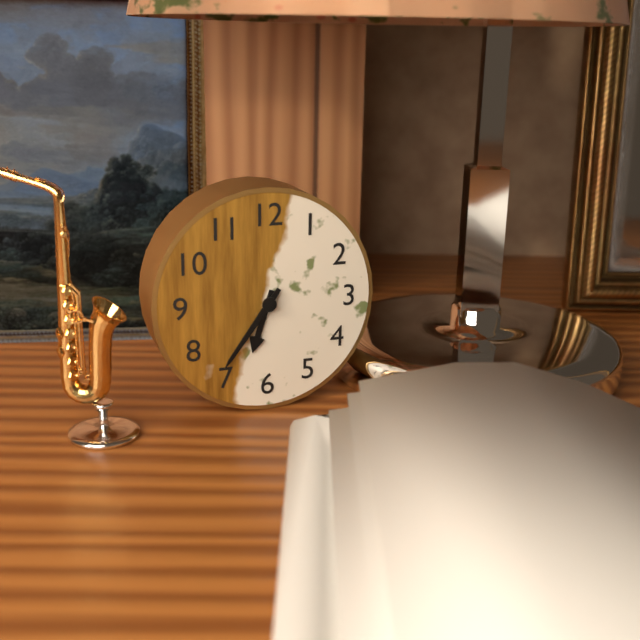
6:36
